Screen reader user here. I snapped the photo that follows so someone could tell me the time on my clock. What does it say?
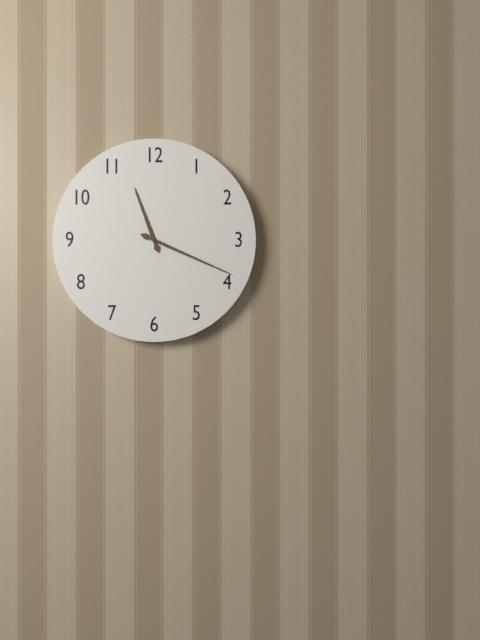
11:19
